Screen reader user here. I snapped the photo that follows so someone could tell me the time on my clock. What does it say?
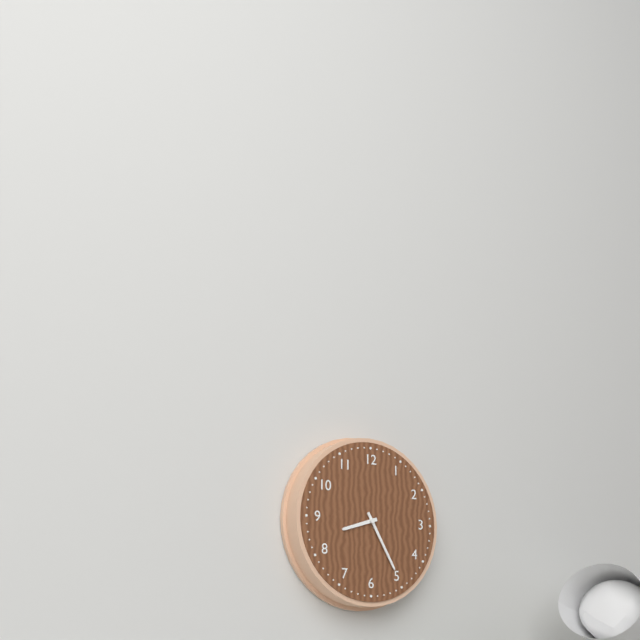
8:25
